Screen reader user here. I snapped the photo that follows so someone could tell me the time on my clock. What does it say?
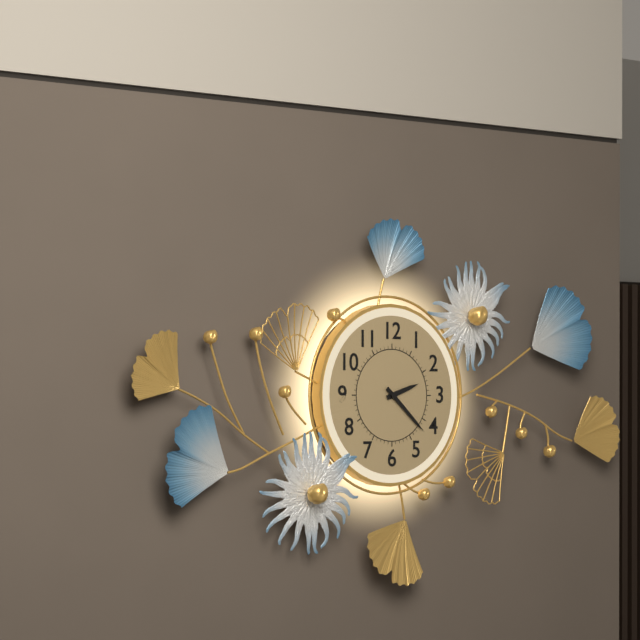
2:22
